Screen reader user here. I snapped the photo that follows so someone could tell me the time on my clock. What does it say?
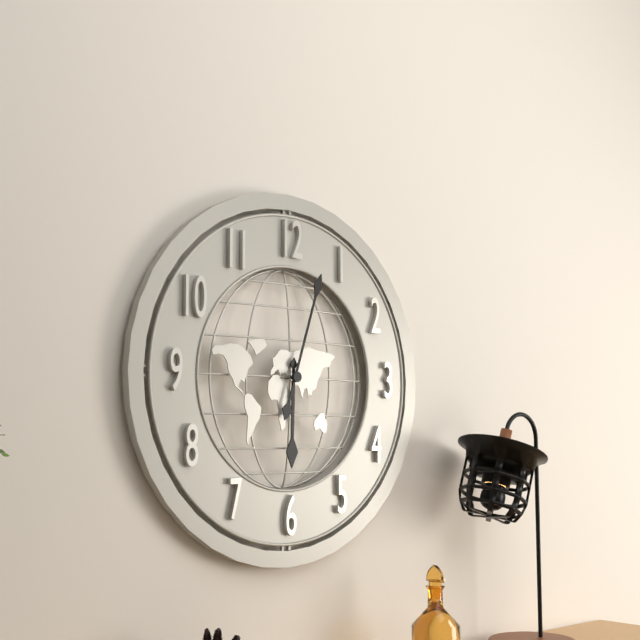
6:03
